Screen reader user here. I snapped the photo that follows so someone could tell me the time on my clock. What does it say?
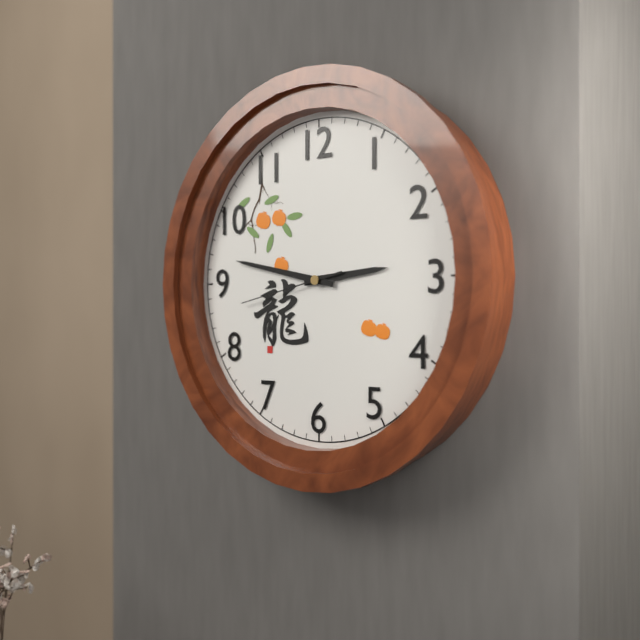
2:47:43
